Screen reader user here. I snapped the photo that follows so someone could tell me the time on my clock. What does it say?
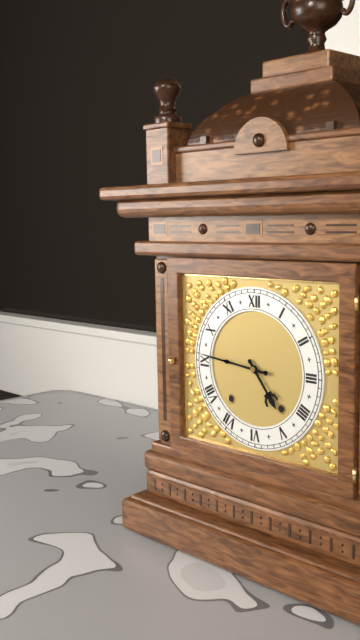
4:46
